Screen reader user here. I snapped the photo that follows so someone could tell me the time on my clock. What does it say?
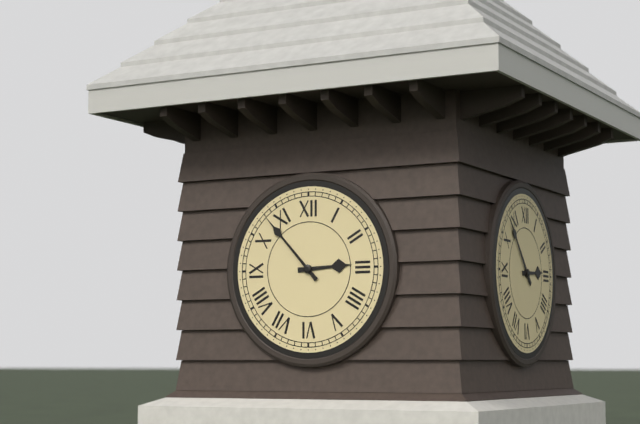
2:53
